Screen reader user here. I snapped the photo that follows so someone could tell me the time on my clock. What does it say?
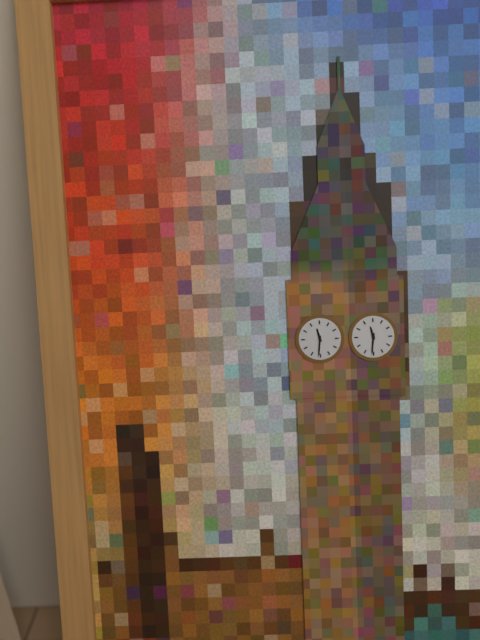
11:31
